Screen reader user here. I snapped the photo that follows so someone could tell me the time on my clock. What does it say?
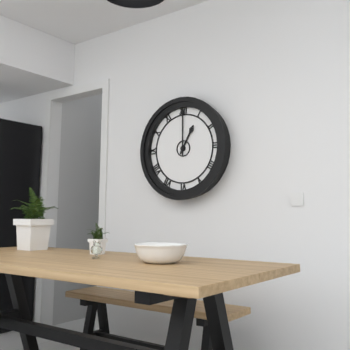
1:00
